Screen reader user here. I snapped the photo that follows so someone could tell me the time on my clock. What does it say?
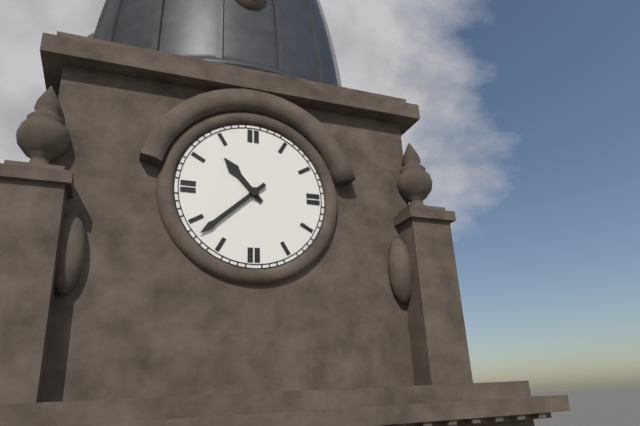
10:38
